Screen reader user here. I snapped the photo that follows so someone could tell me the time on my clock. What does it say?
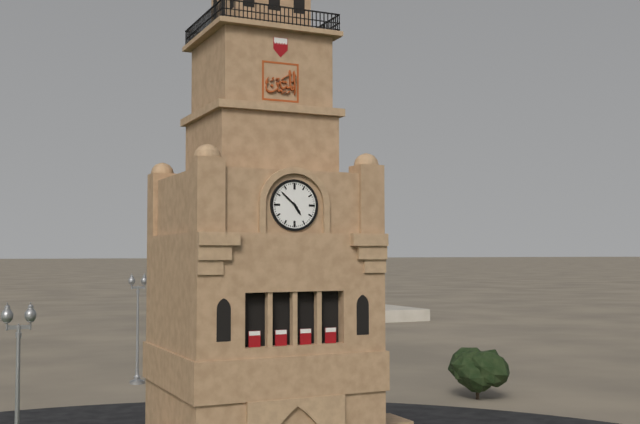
4:52
